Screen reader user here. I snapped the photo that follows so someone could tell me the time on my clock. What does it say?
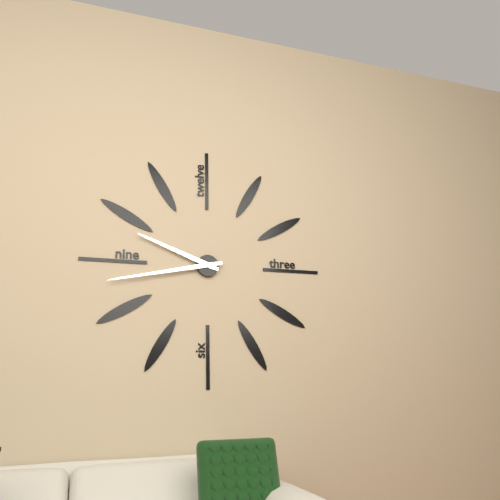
9:43
